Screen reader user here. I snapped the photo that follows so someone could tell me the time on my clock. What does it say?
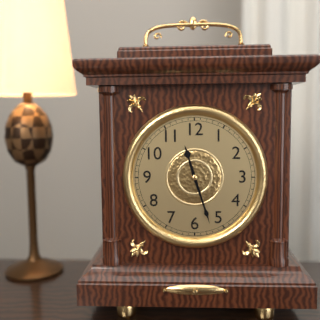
11:27
